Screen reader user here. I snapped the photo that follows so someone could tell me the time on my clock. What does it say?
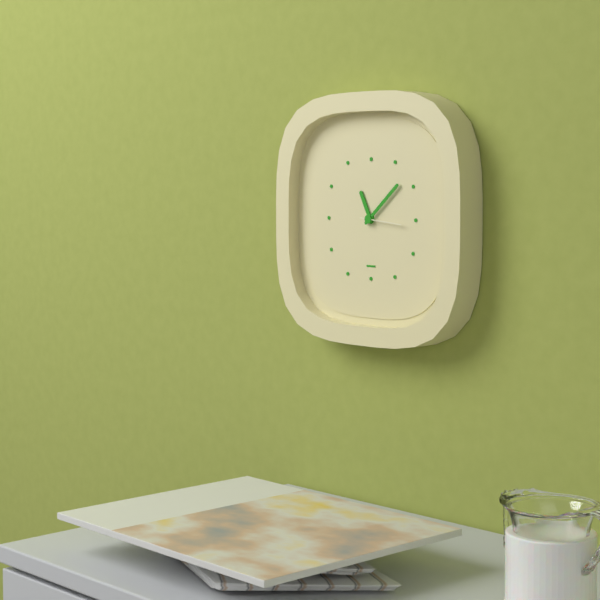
11:08
